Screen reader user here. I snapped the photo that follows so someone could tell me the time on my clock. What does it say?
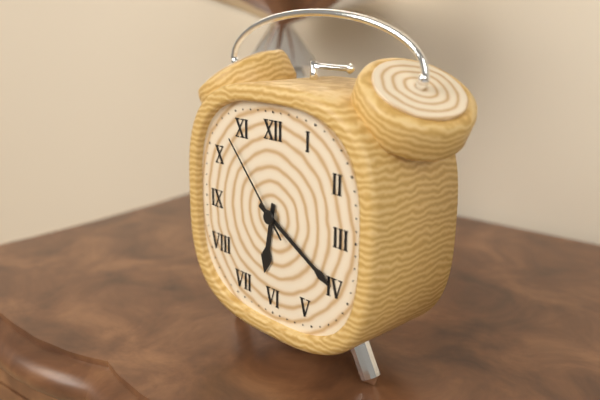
6:20:53
